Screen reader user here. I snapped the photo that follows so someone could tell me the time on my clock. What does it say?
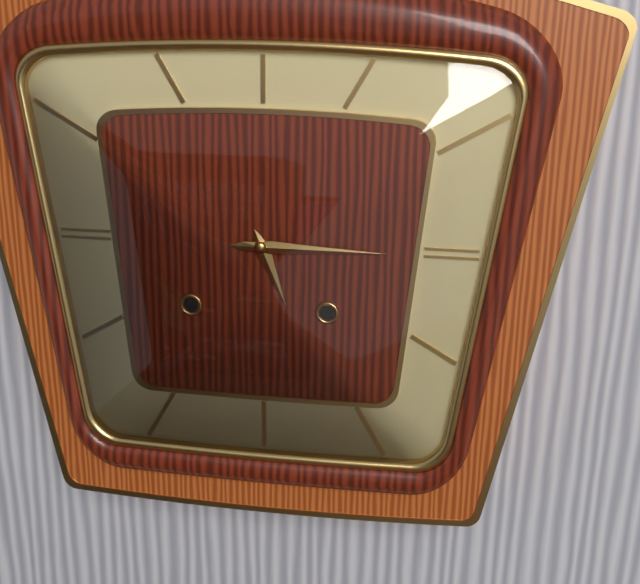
5:15
